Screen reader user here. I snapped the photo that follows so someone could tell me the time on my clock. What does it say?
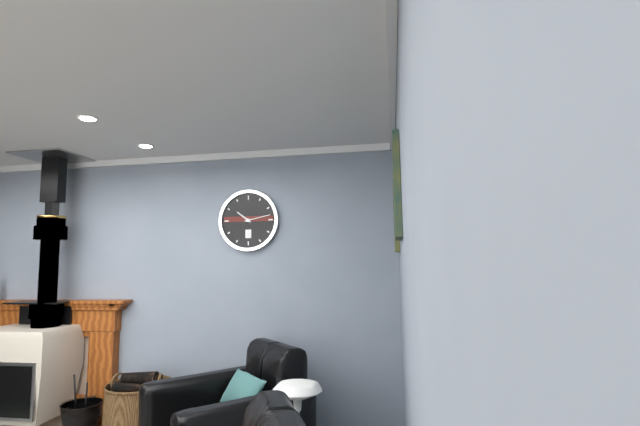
10:13
